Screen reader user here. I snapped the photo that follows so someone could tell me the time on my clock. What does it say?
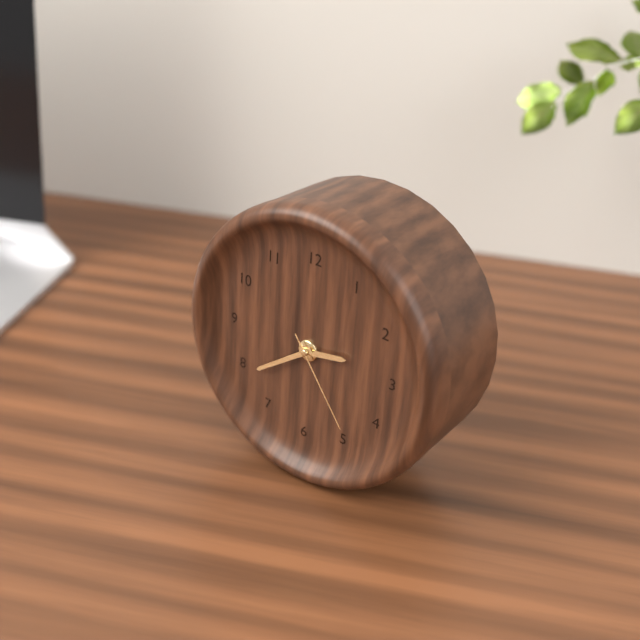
2:39:24
